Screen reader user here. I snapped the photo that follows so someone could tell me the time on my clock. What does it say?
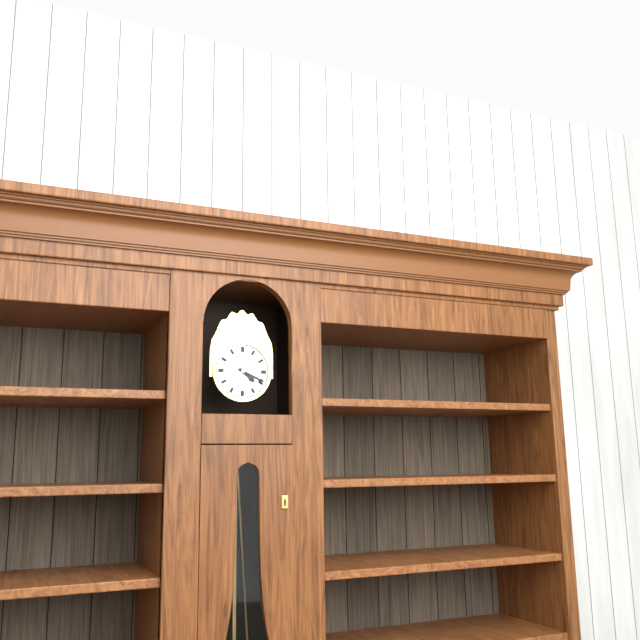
4:19
